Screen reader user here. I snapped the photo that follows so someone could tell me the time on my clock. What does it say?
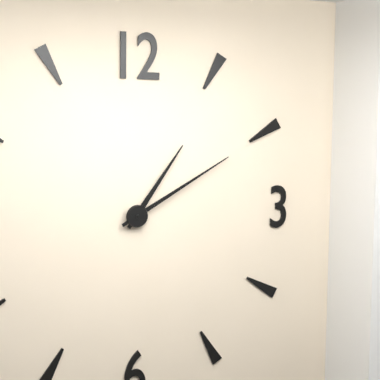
1:10
